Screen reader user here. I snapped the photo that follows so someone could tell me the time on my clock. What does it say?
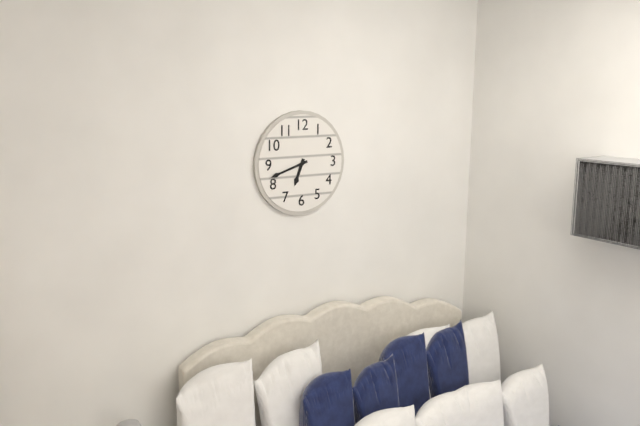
6:42
